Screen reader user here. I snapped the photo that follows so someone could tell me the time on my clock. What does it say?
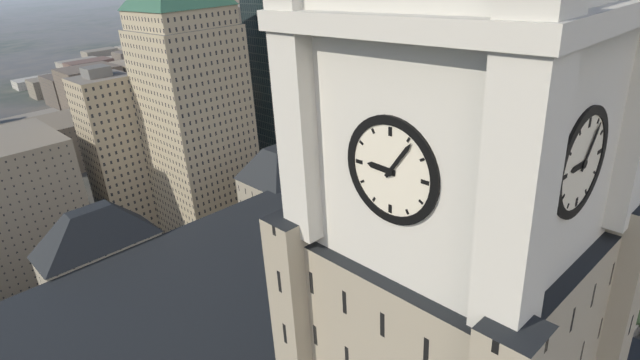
9:06
